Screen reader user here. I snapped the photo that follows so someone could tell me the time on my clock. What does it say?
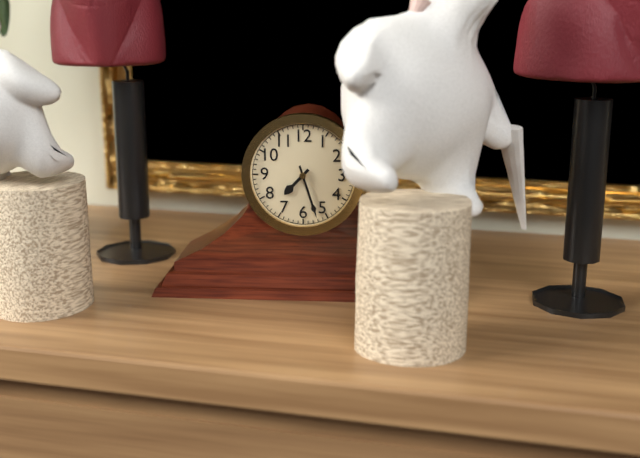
7:27
